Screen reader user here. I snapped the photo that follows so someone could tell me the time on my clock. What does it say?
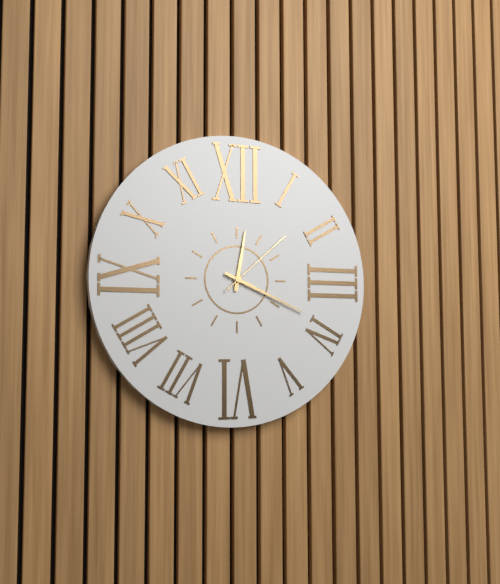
12:19:08
